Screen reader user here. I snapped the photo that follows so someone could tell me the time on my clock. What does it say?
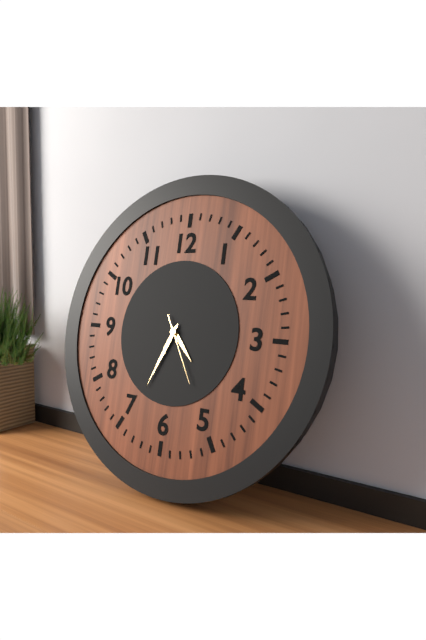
4:34:25
